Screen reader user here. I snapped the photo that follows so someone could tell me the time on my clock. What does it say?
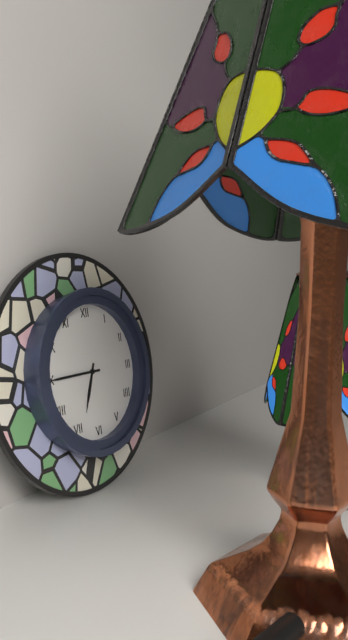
6:45
